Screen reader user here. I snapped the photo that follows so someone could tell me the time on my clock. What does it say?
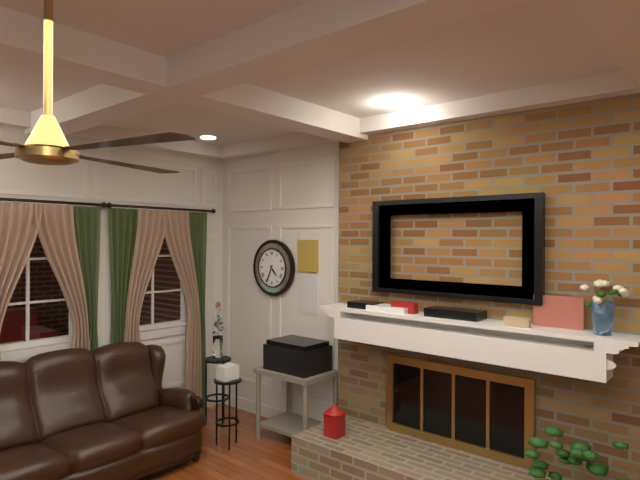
4:34
